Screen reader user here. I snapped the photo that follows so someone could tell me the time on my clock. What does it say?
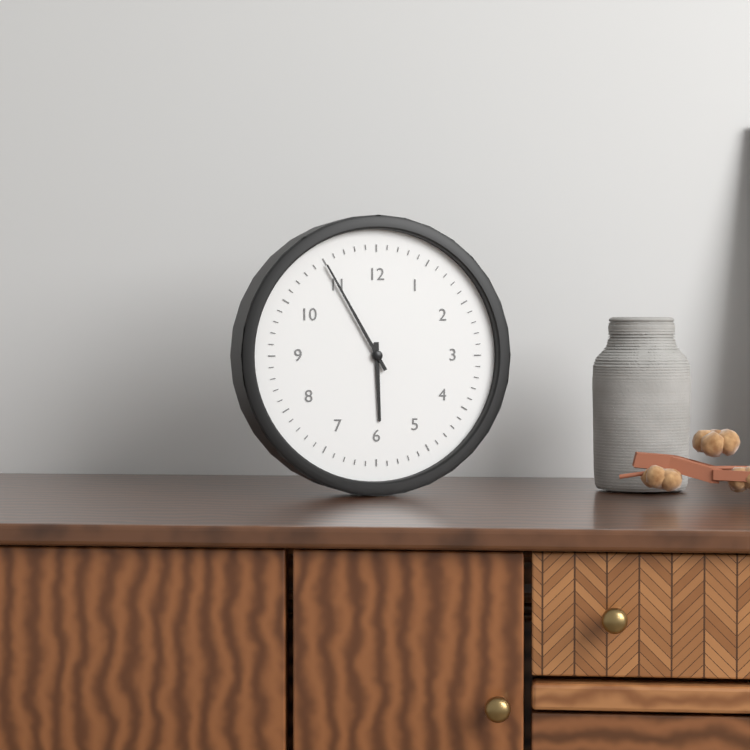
5:55
